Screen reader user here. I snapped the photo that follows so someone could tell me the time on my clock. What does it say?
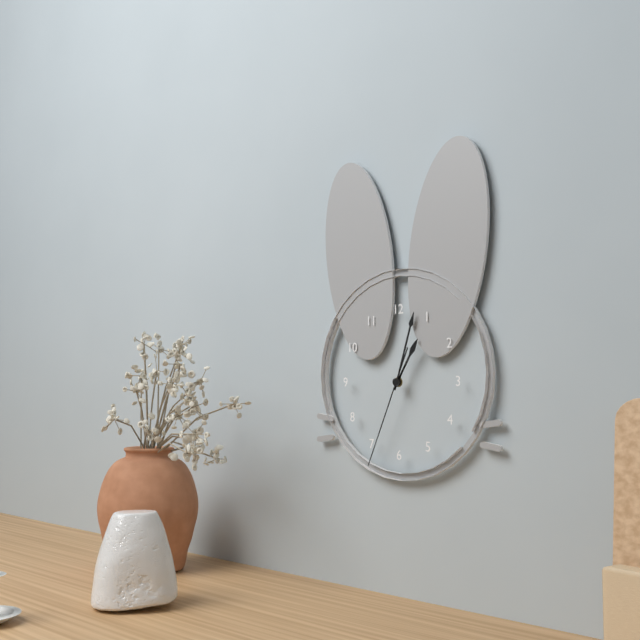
1:03:34
